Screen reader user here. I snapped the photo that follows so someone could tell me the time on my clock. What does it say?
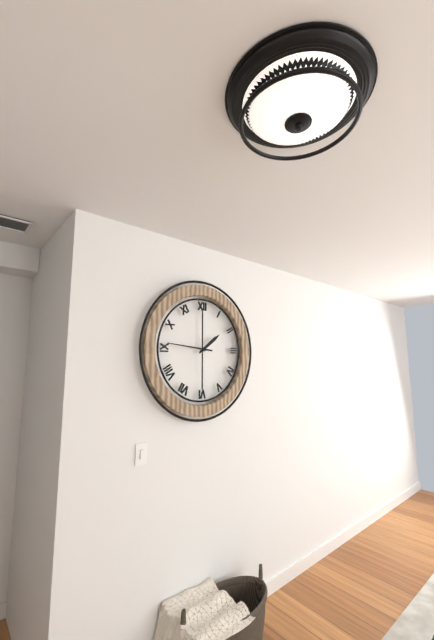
1:46
